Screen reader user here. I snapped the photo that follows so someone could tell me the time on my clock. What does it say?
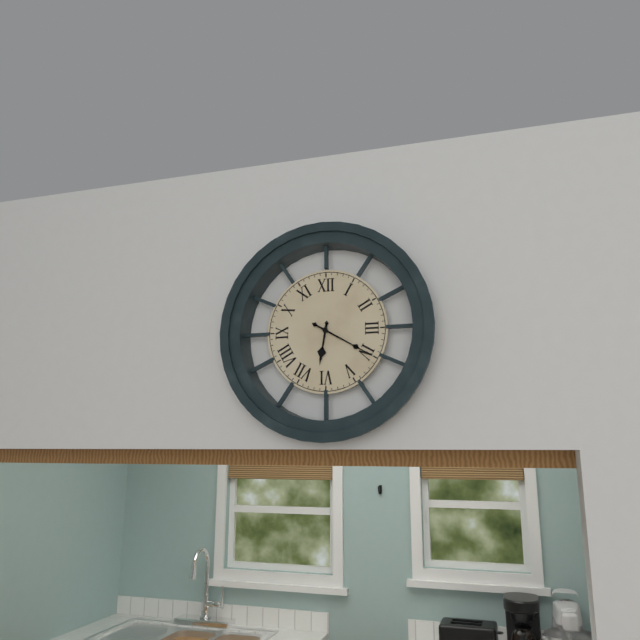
6:20
